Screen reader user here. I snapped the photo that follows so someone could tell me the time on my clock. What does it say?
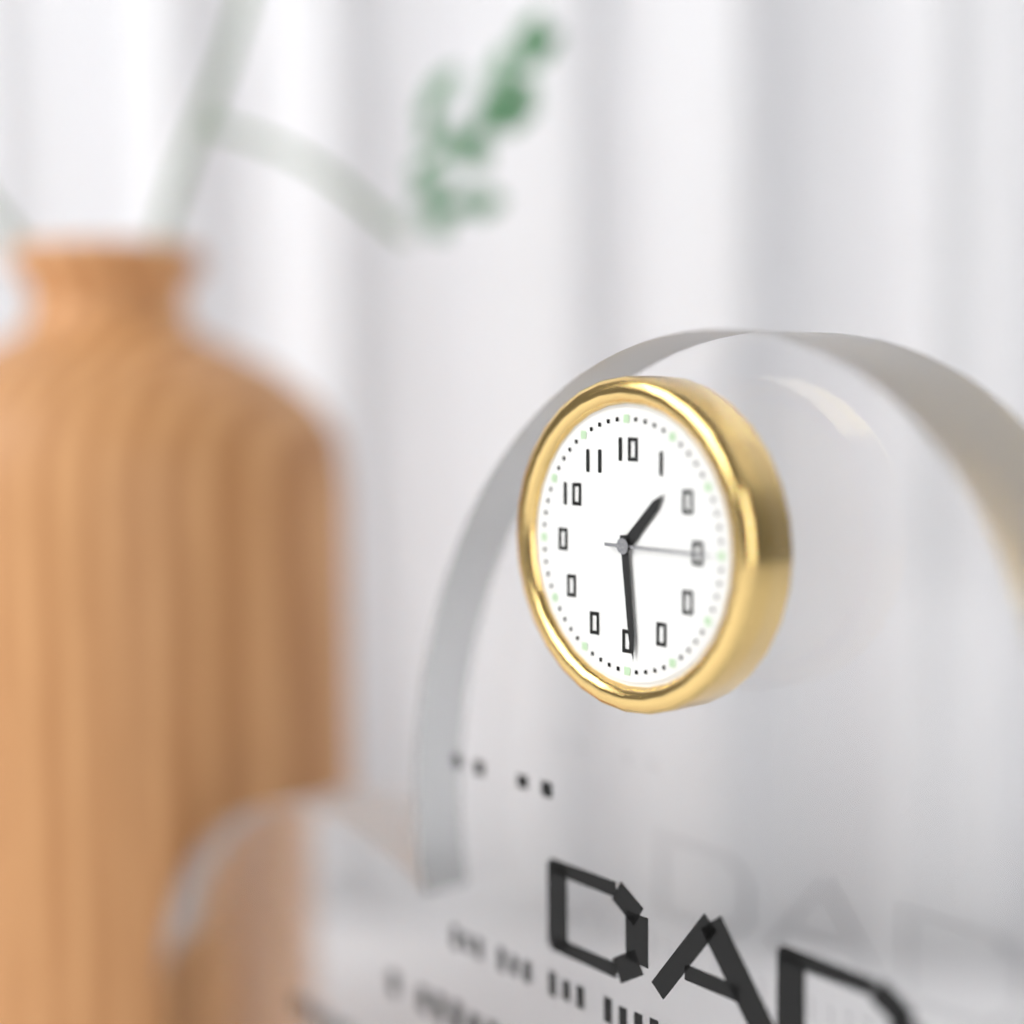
1:29:15
